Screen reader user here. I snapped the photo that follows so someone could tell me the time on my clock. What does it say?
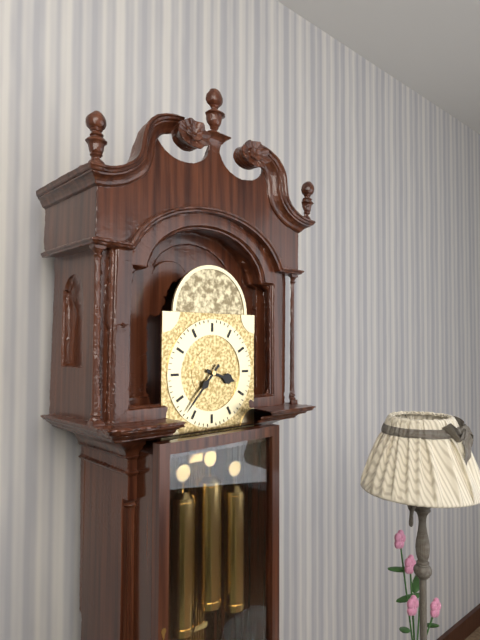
3:37
